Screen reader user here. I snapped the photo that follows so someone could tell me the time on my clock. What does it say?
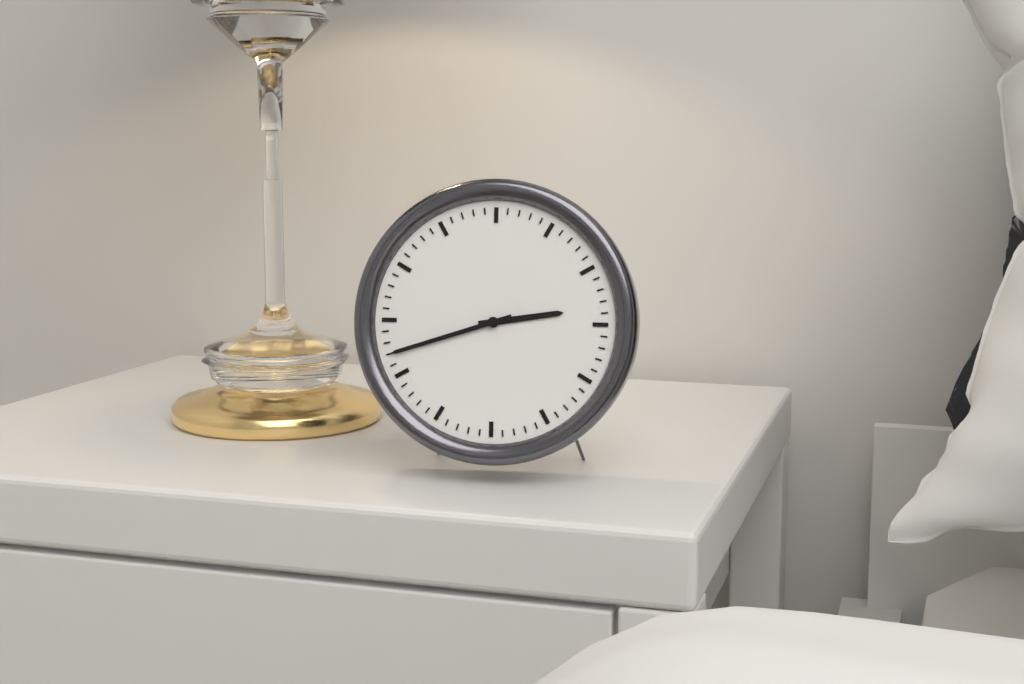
2:42
